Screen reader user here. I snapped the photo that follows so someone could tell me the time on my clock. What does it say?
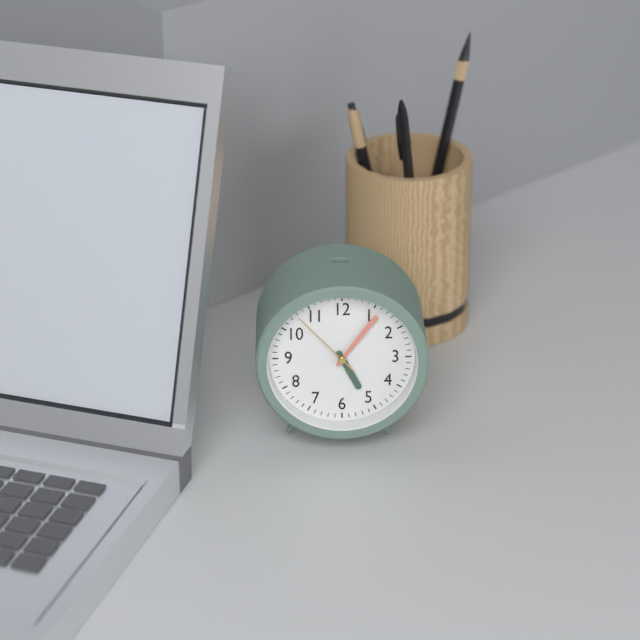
5:06:53
